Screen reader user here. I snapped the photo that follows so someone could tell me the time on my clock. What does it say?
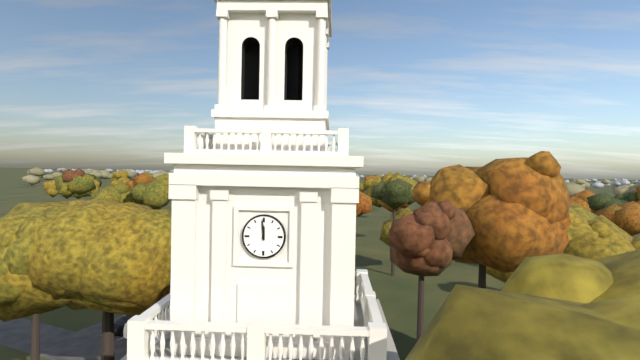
11:59
